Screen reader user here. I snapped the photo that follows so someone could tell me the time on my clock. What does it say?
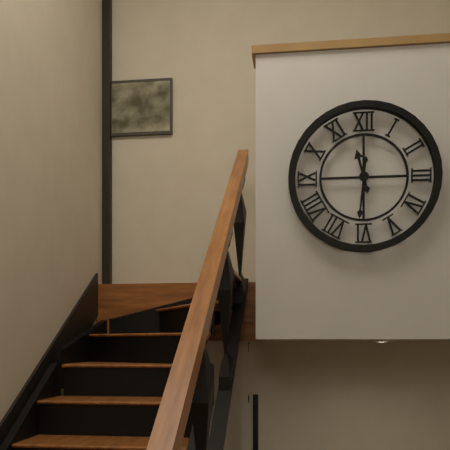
11:31
